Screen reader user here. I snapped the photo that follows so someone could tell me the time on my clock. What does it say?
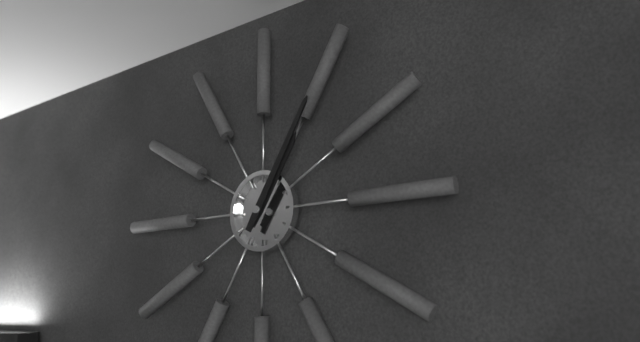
1:05
